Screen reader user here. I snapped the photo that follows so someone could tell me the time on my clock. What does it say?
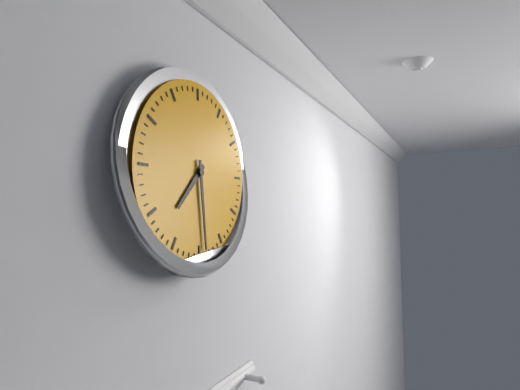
7:29
